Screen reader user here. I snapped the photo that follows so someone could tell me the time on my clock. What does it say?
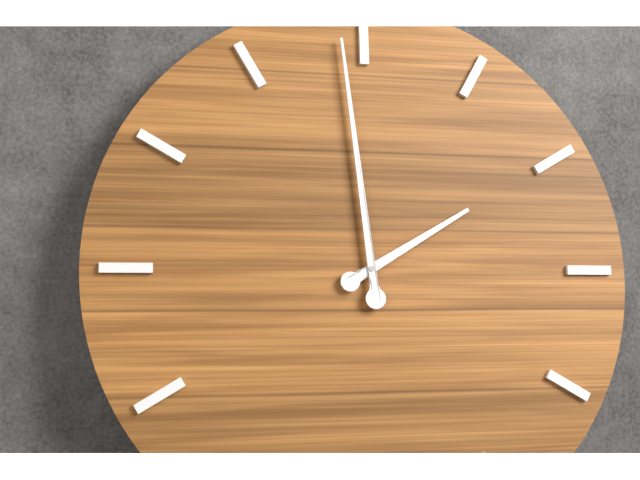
1:59
